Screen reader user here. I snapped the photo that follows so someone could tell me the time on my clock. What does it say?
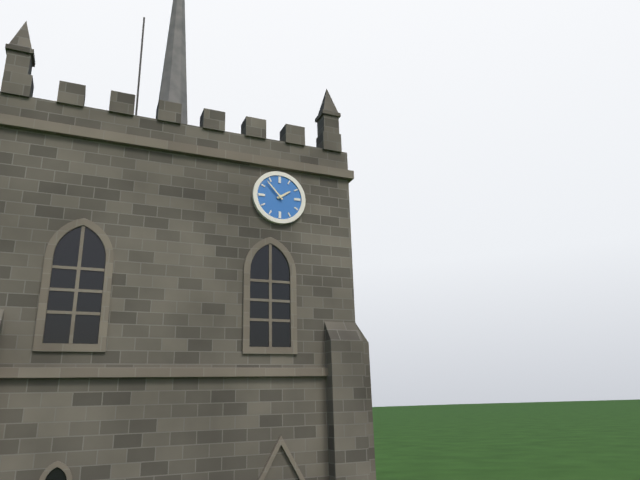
1:53
